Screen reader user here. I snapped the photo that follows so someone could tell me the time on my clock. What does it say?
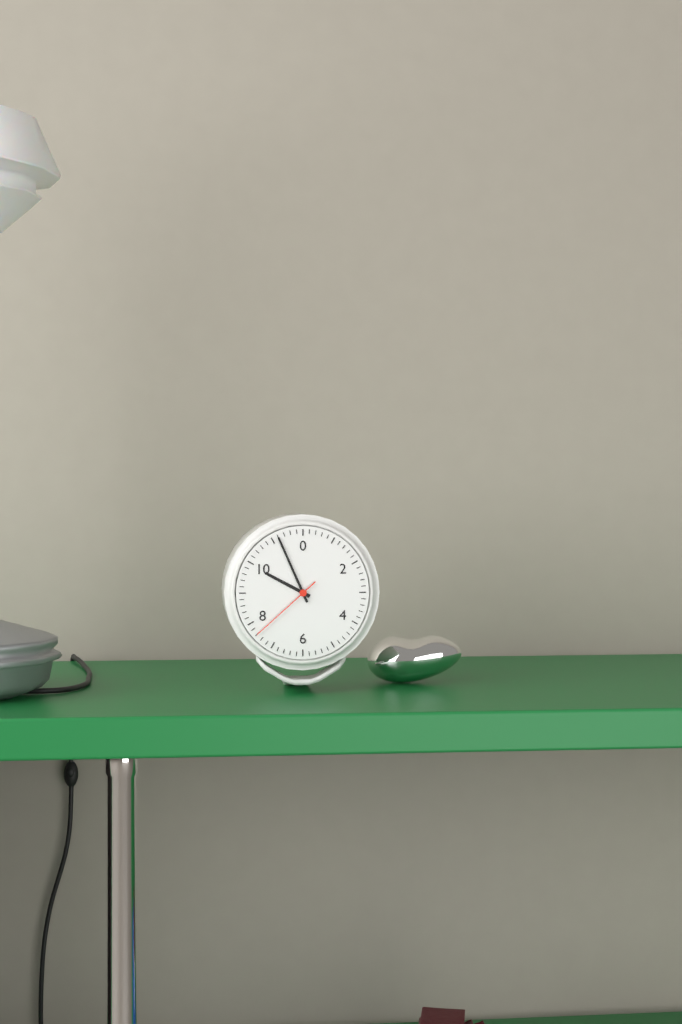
9:56:38
